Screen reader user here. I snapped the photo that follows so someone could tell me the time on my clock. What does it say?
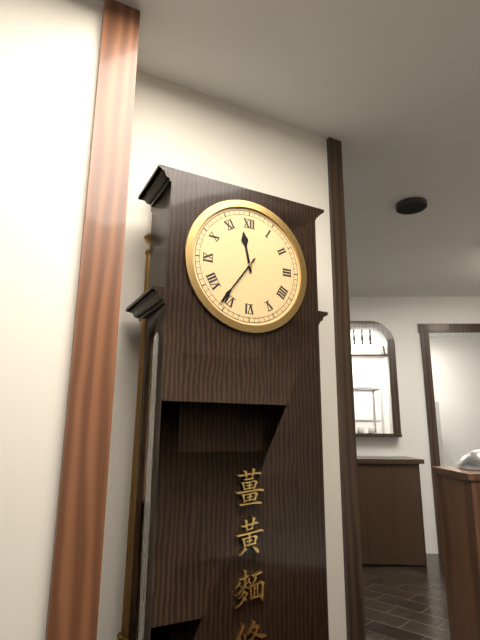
11:36
